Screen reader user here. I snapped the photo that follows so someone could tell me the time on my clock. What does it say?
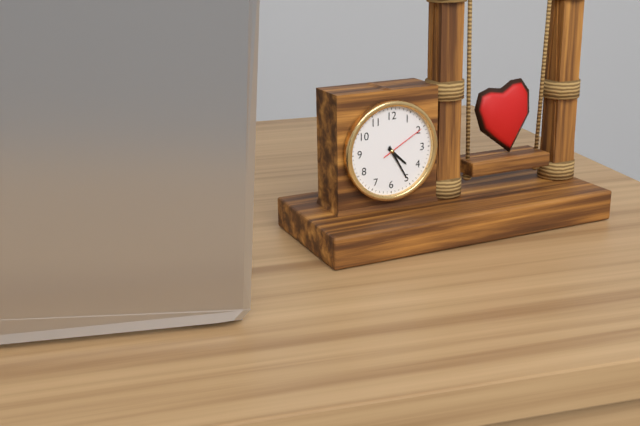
4:25
